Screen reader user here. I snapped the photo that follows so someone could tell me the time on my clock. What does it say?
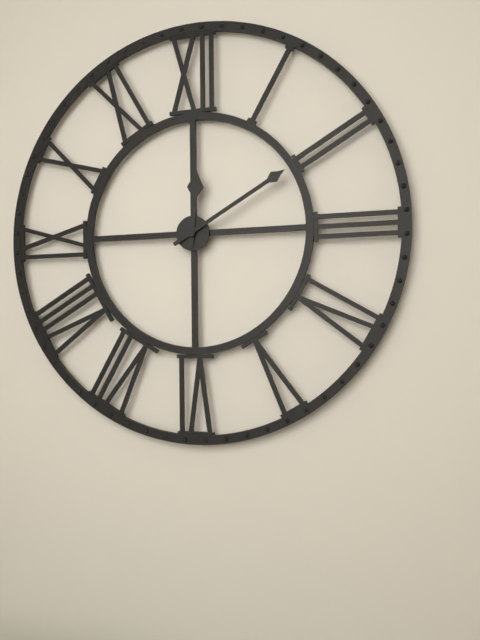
12:10
